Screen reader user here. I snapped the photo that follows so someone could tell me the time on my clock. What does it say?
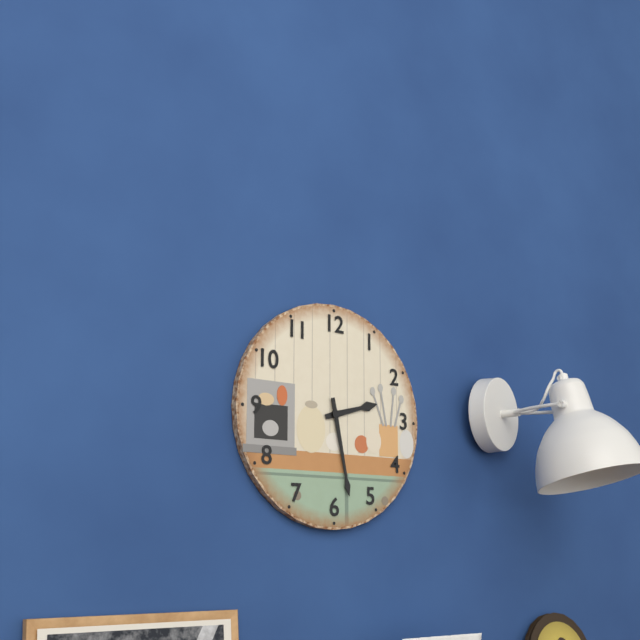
2:28
